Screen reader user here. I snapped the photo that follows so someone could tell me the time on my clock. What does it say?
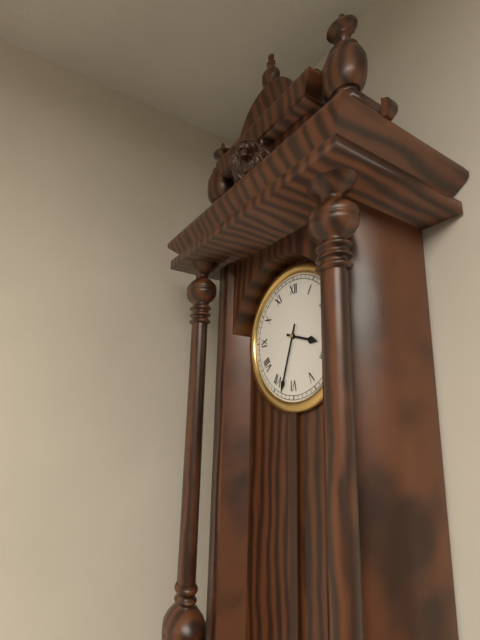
3:33
